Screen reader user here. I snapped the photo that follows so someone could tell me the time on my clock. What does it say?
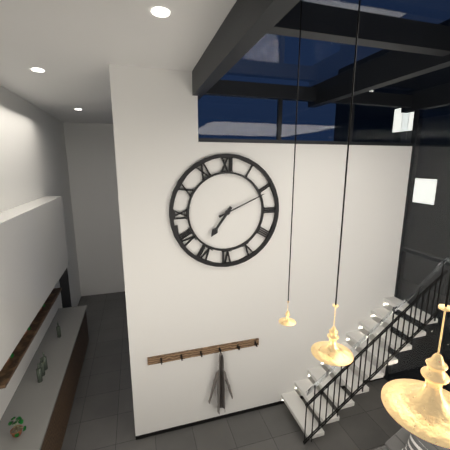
7:11
